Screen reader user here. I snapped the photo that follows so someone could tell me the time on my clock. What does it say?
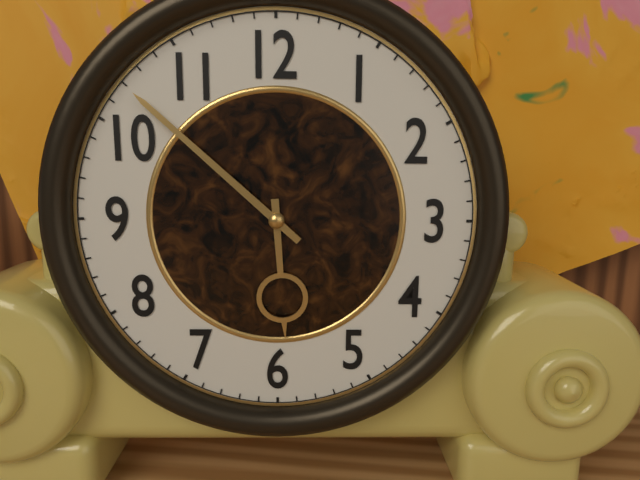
5:52
